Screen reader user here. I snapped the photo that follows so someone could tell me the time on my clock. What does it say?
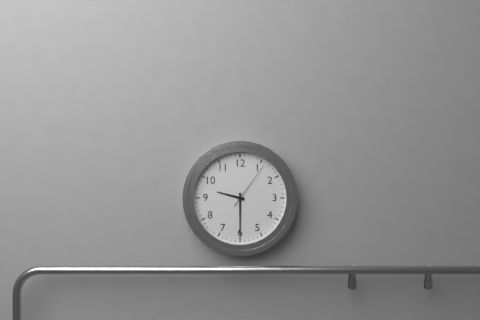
9:30:06
